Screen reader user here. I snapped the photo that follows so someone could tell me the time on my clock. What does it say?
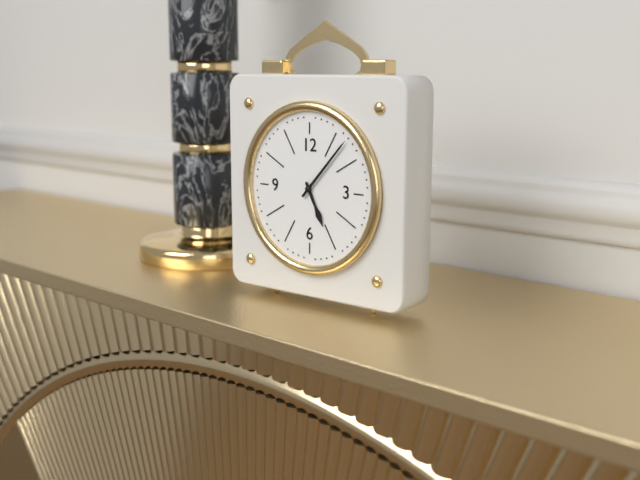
5:07
